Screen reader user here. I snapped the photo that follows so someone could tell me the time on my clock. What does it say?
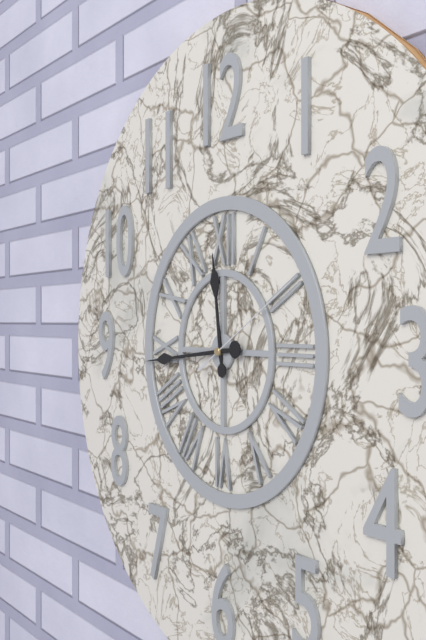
11:44:10
